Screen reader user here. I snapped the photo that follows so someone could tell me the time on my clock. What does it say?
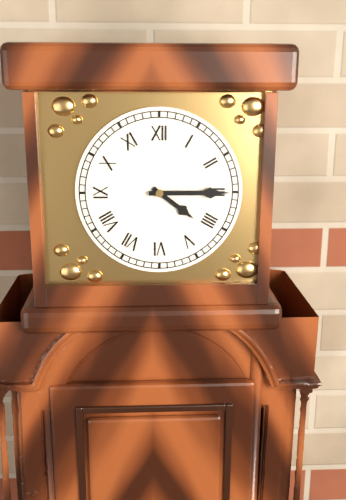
4:15
